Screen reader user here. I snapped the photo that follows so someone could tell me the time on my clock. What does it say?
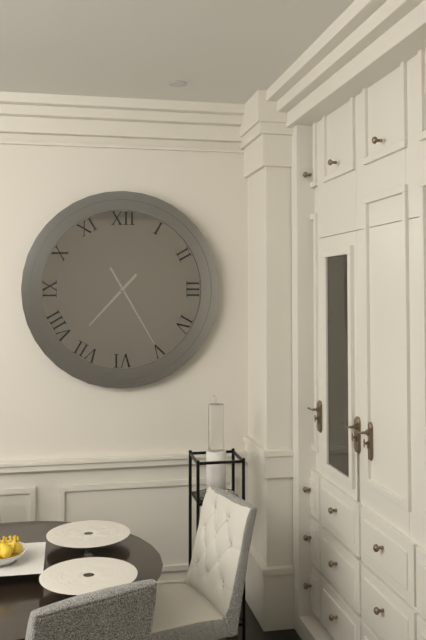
7:25
